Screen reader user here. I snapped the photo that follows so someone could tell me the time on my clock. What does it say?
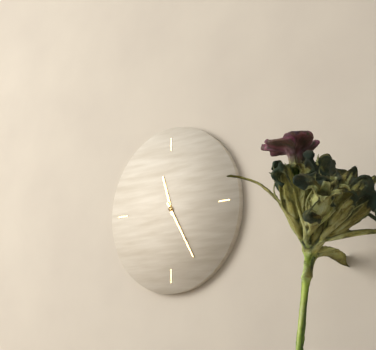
11:25
